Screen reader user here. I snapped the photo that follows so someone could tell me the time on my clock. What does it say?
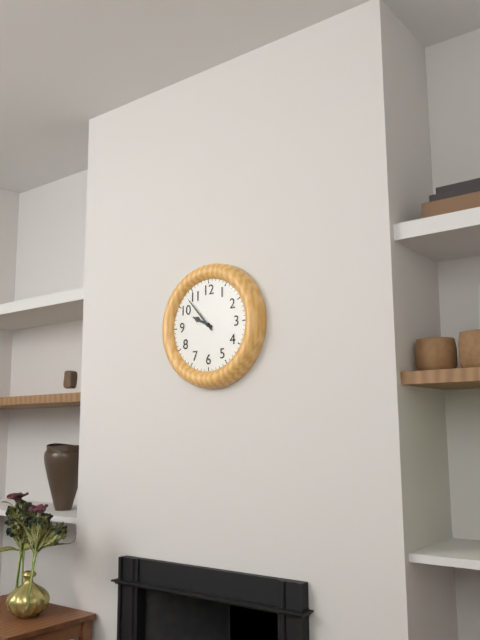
9:53
